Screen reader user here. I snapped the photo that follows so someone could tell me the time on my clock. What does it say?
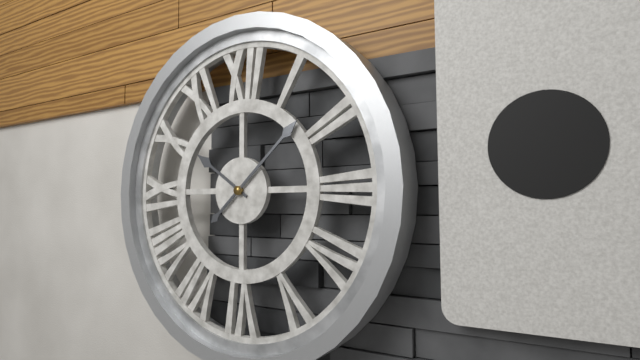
10:08
